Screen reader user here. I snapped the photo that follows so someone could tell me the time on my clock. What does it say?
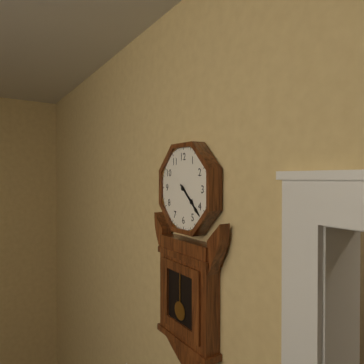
4:22
